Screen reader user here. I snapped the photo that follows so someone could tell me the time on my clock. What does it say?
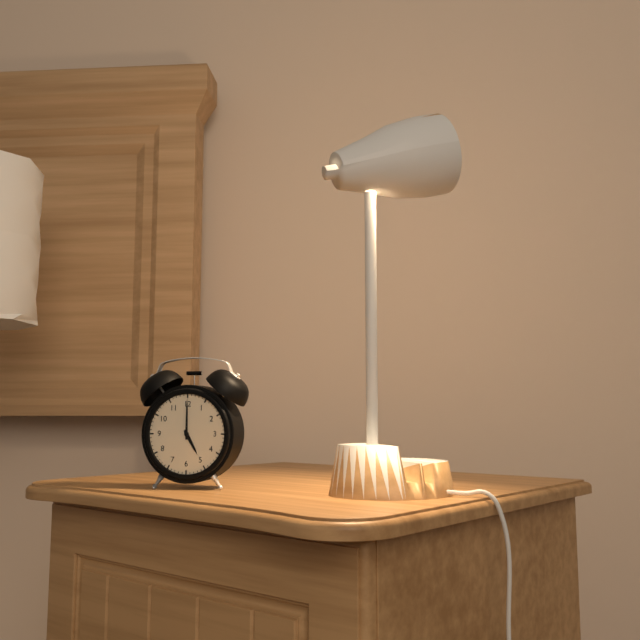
5:00
